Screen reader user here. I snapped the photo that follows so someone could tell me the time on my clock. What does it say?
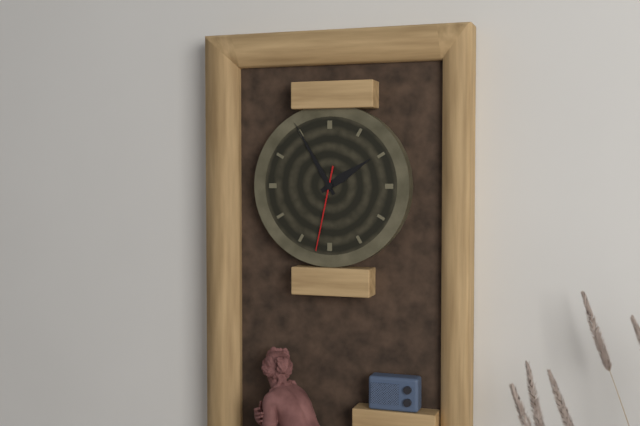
1:55:32
